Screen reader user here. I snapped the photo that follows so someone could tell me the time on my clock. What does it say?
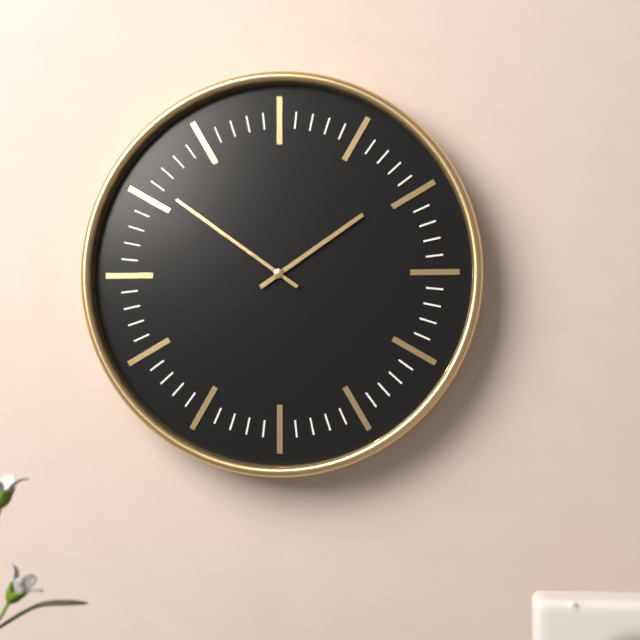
1:51
